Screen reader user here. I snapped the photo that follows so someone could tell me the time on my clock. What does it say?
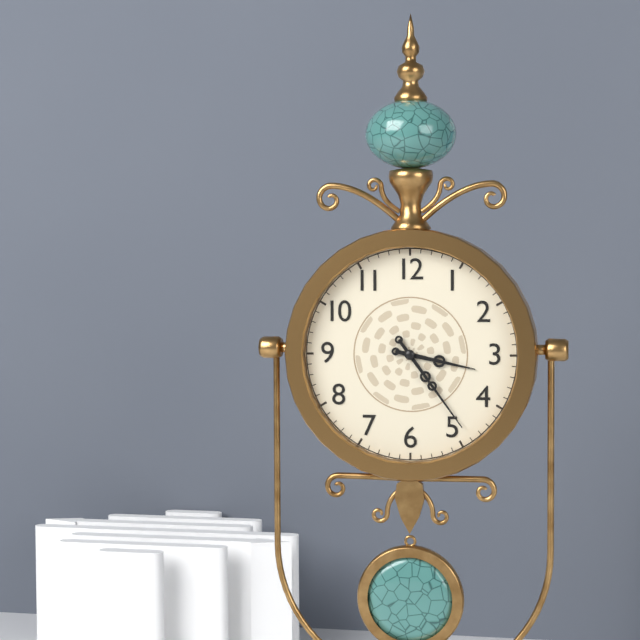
3:24
